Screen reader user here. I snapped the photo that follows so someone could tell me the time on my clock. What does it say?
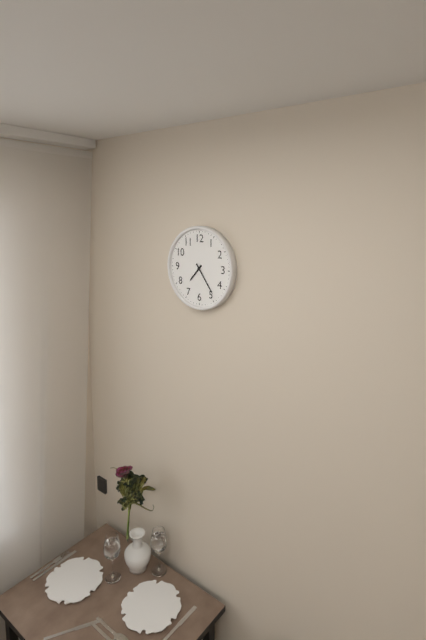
7:24
